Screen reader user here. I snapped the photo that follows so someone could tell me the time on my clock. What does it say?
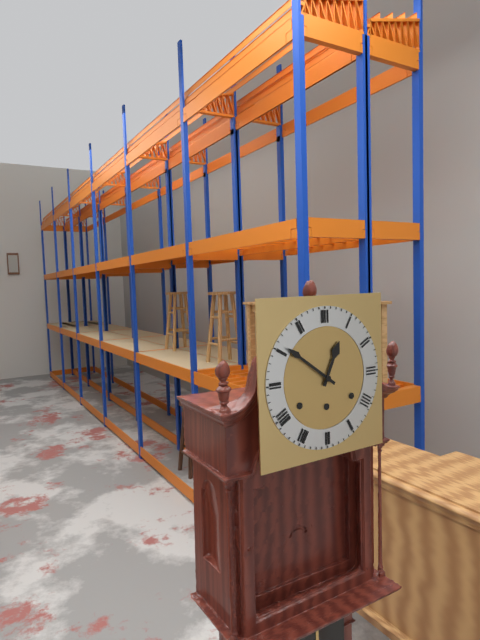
12:51
